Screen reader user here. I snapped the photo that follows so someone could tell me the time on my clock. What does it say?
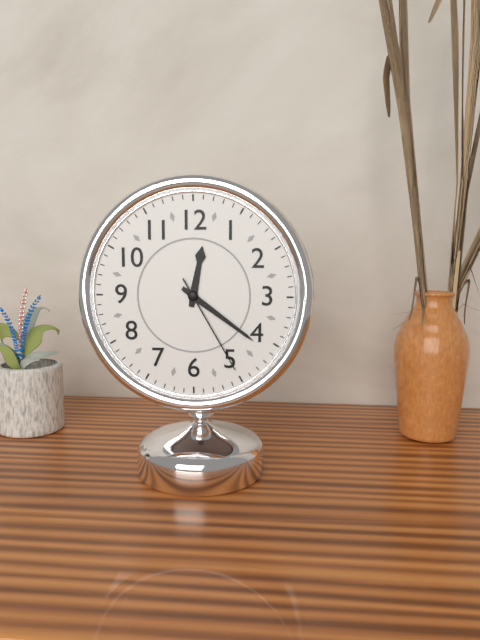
12:21:25
